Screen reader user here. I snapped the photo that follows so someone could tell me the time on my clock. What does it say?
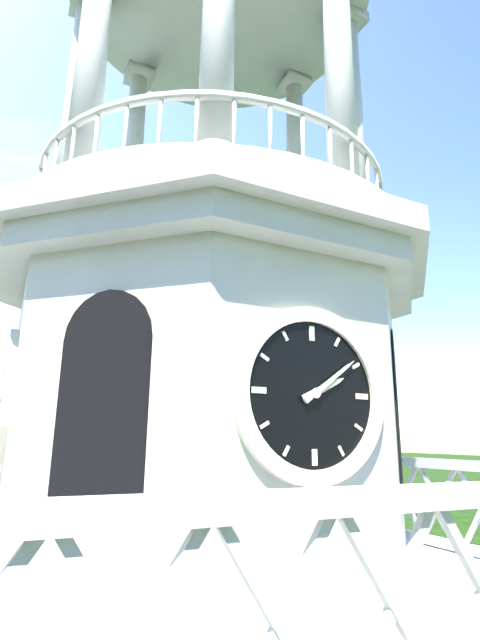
2:09
